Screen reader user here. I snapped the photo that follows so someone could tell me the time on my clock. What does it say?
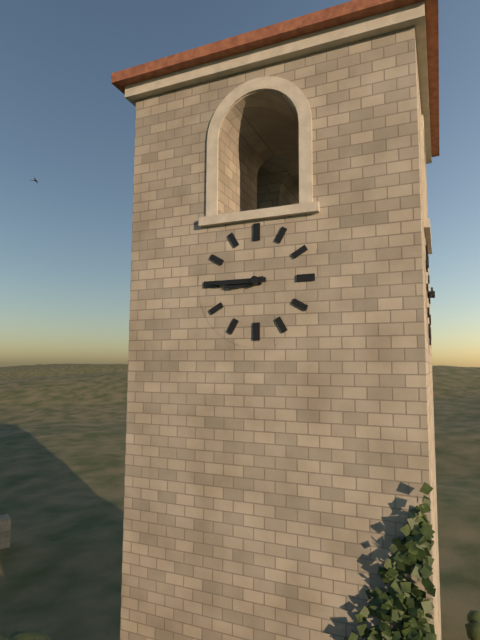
8:45
